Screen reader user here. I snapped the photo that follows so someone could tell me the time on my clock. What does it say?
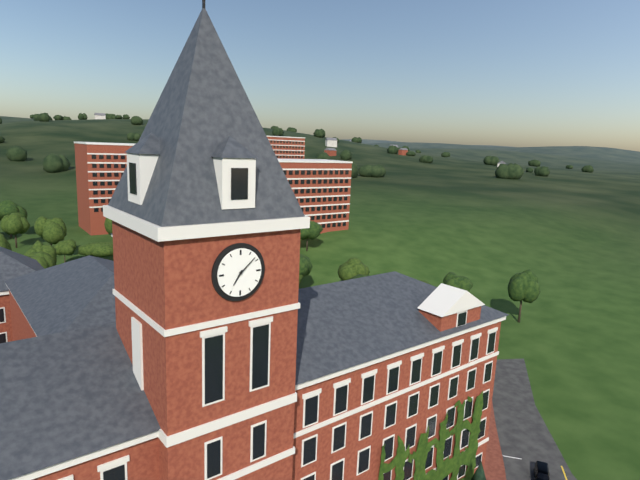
7:08
